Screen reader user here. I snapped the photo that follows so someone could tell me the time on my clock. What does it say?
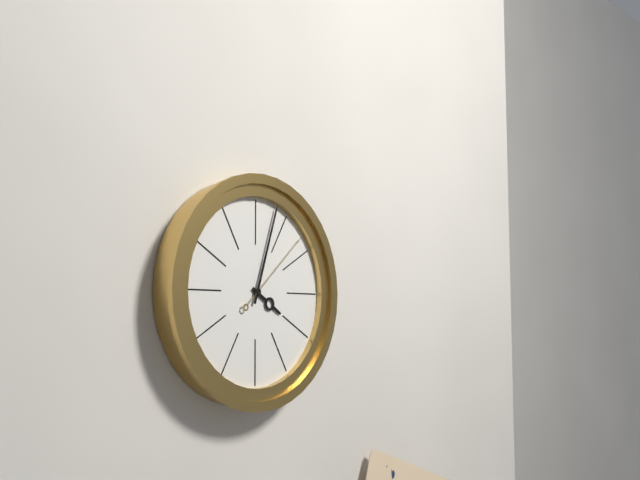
4:03:08
